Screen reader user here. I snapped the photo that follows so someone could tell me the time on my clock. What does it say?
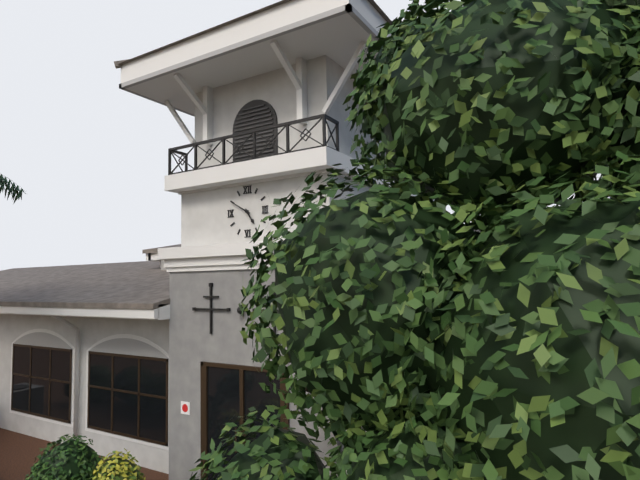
4:50
